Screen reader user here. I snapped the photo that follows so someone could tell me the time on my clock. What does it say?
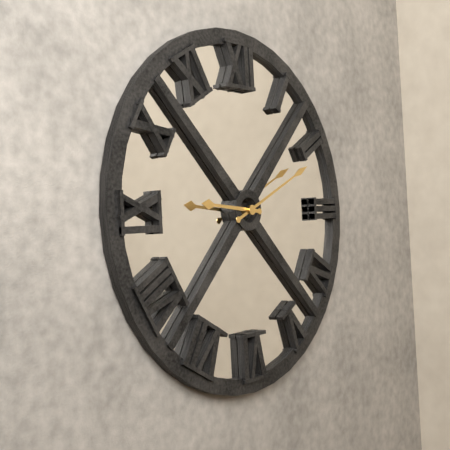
9:11
